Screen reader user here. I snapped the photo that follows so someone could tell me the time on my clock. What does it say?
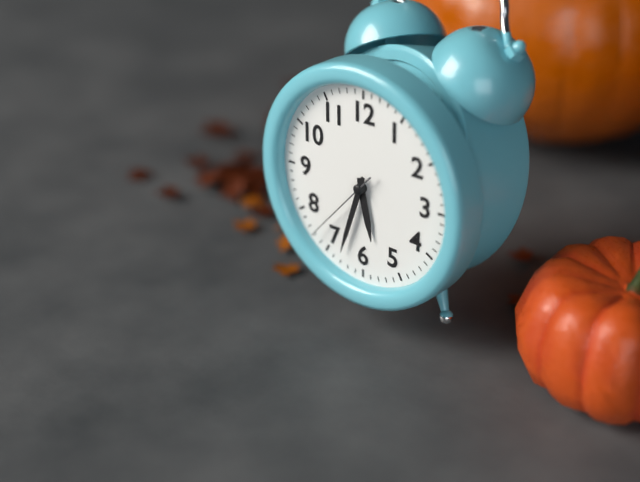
5:33:37
